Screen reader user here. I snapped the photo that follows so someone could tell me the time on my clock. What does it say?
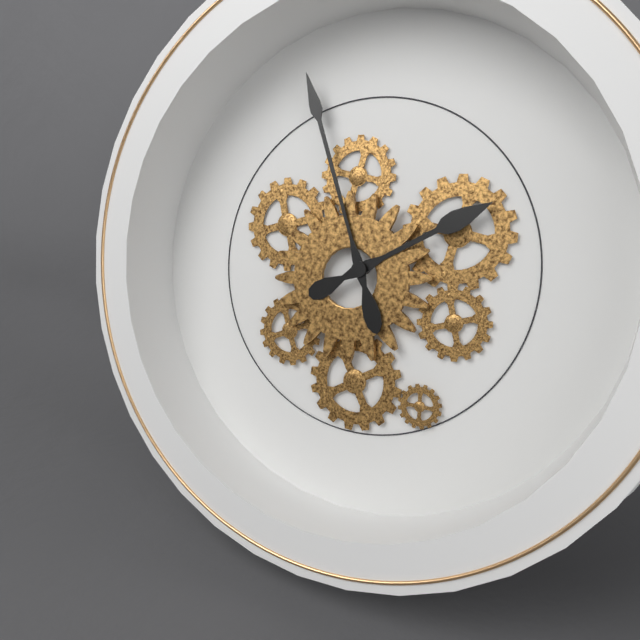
1:56
